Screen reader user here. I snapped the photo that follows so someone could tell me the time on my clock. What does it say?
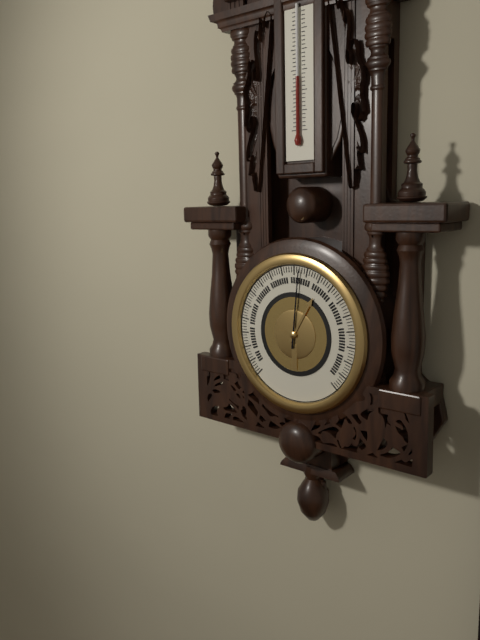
1:01
